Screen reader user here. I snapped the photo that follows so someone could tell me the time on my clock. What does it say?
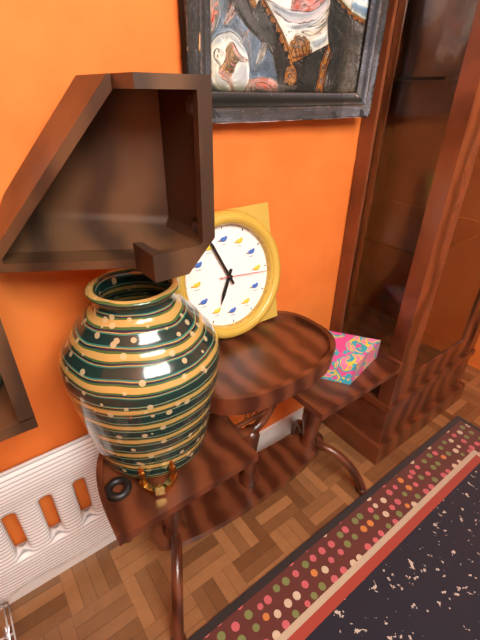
6:56
